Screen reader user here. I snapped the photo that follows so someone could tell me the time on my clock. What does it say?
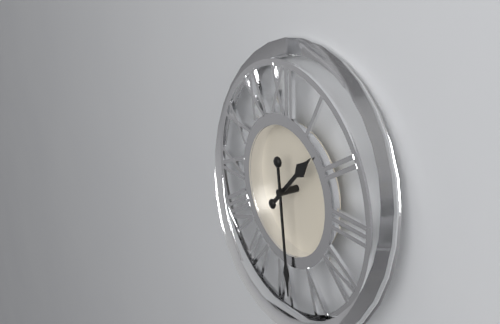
1:29
